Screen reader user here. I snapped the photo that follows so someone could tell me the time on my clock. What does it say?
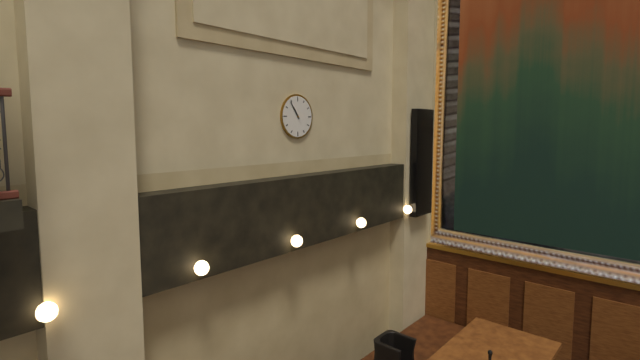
10:54
